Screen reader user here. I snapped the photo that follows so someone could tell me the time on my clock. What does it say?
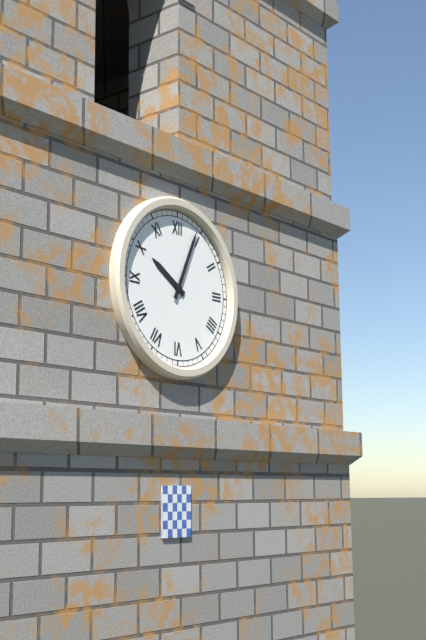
10:04
